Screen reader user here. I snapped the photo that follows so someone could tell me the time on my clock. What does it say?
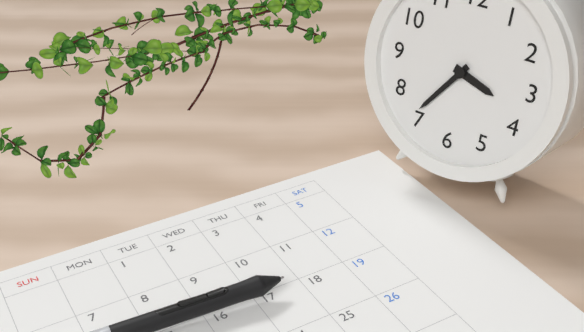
3:36
